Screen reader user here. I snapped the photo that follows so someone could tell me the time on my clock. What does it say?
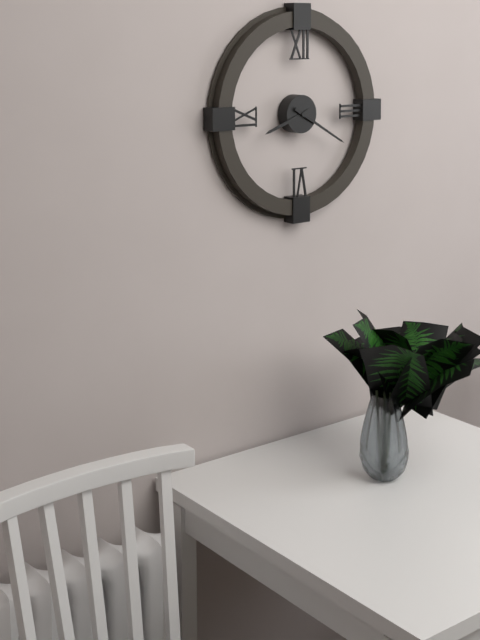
8:20
